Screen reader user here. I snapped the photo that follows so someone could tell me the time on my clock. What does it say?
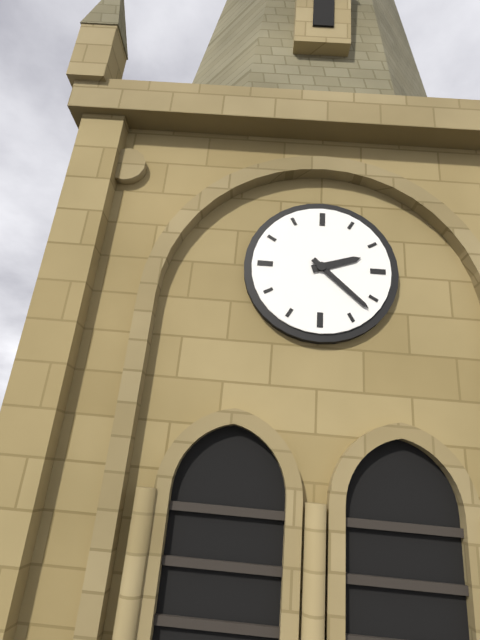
2:22
